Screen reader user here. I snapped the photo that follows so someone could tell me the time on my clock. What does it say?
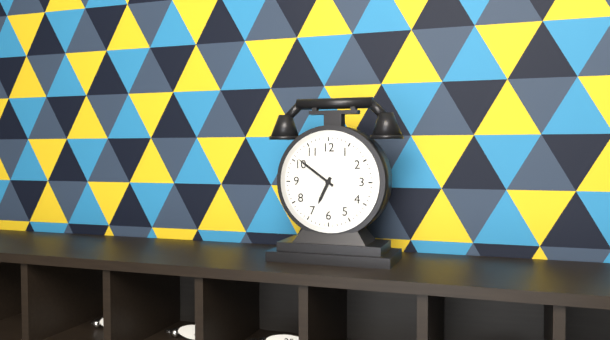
6:51
